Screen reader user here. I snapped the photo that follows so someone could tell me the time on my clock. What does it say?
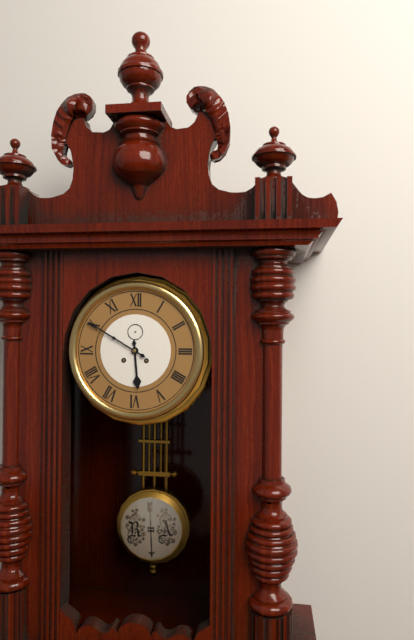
5:50
